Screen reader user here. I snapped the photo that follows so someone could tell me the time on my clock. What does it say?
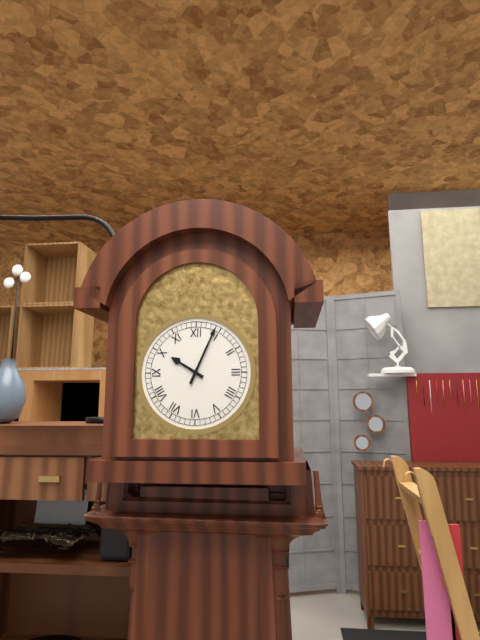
10:04
